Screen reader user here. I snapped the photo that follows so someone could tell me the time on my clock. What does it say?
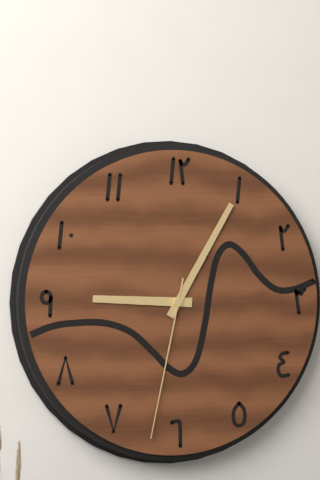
9:05:32
